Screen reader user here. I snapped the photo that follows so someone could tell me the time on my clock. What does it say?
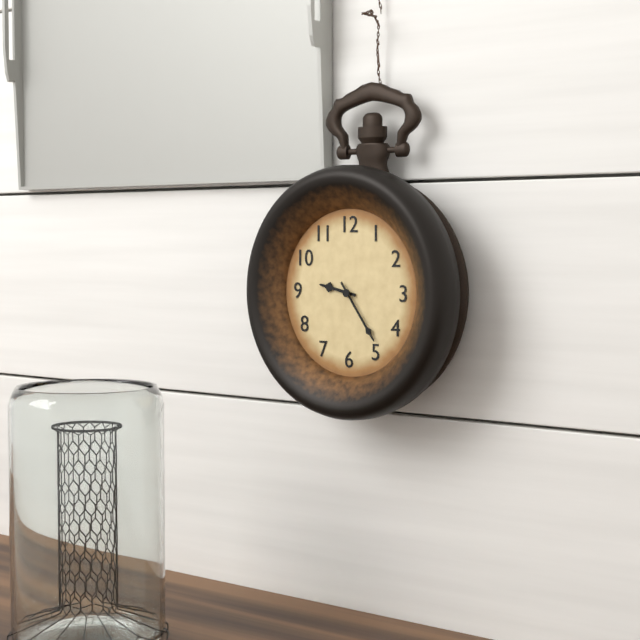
9:24
